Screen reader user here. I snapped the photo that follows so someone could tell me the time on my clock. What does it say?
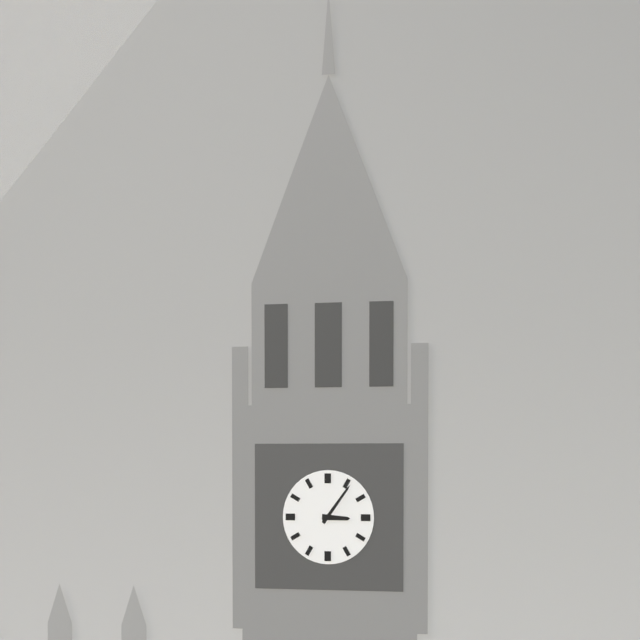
3:06
